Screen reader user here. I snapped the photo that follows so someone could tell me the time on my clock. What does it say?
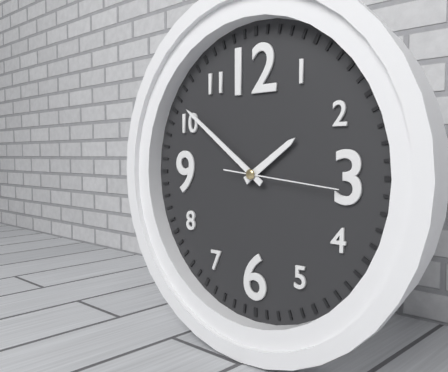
1:51:16
